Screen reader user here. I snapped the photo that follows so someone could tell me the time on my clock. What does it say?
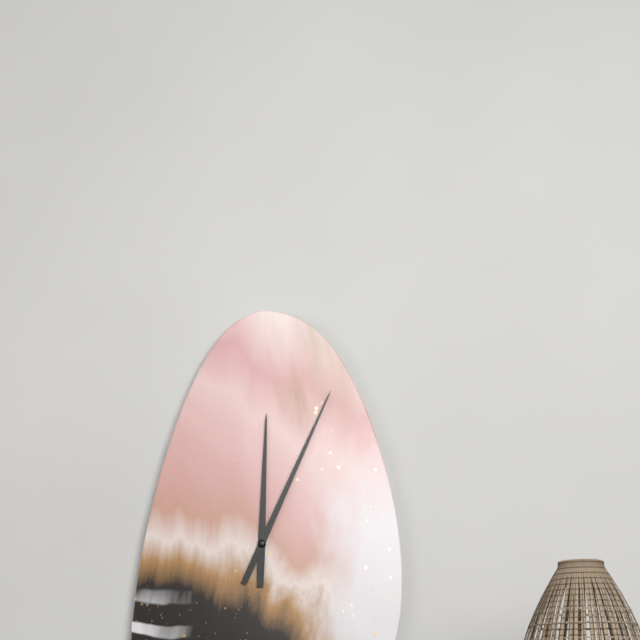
12:04
